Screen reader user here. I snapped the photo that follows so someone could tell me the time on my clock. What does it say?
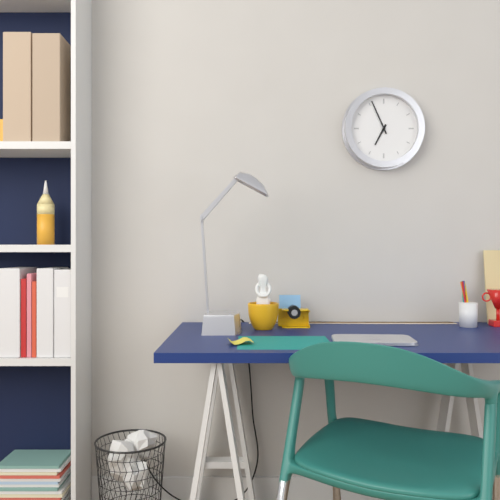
6:56
